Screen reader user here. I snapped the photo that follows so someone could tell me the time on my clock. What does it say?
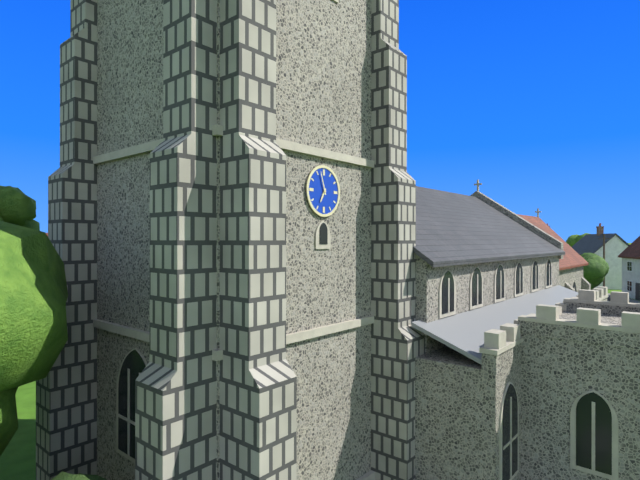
6:57
